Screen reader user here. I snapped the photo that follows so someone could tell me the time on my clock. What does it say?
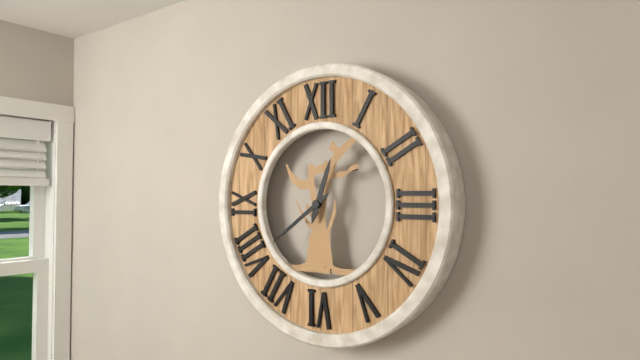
12:39
